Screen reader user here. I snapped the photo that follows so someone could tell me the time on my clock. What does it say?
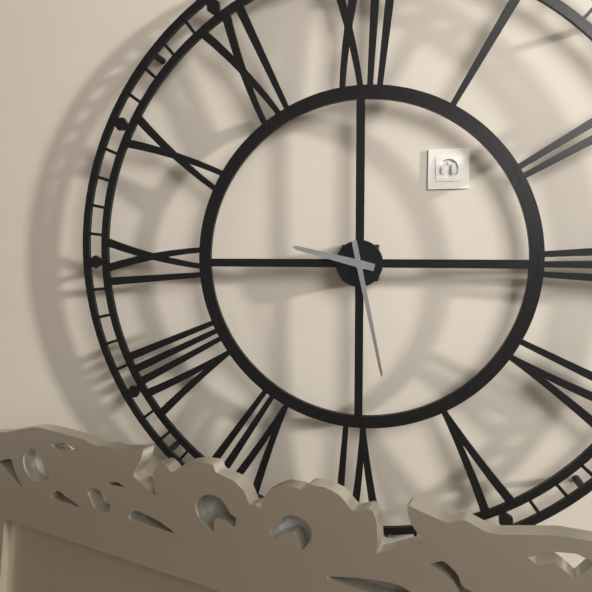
9:28
